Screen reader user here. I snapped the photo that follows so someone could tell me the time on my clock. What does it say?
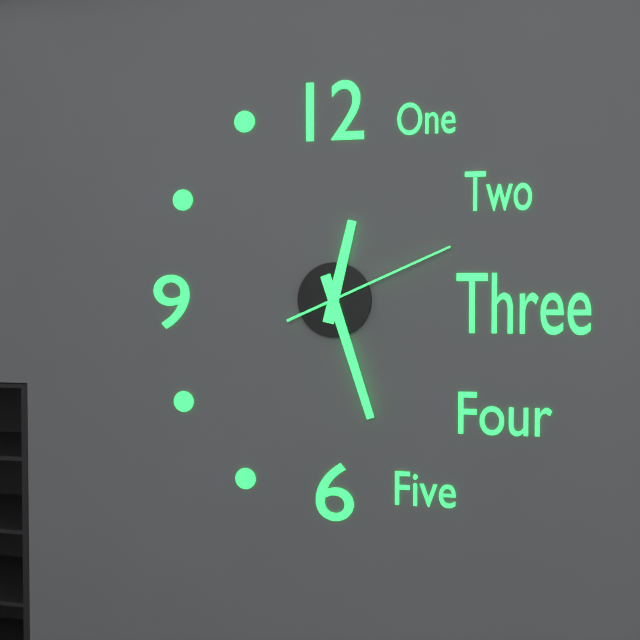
12:27:11
